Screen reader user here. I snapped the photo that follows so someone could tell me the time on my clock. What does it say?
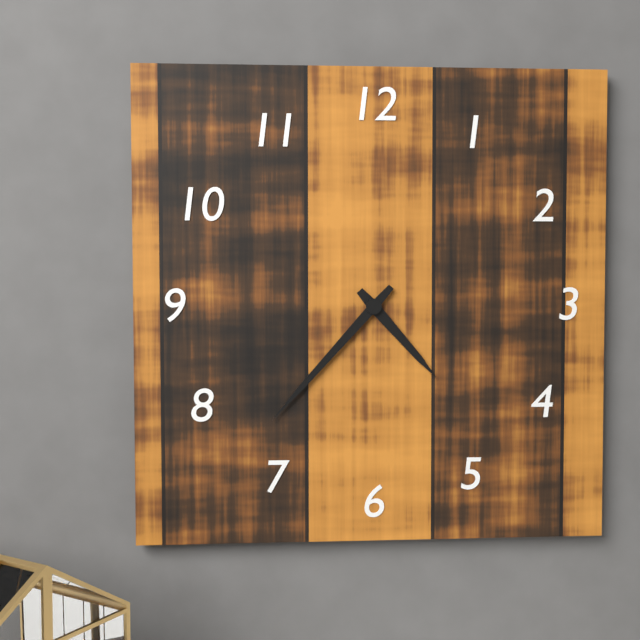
4:37
